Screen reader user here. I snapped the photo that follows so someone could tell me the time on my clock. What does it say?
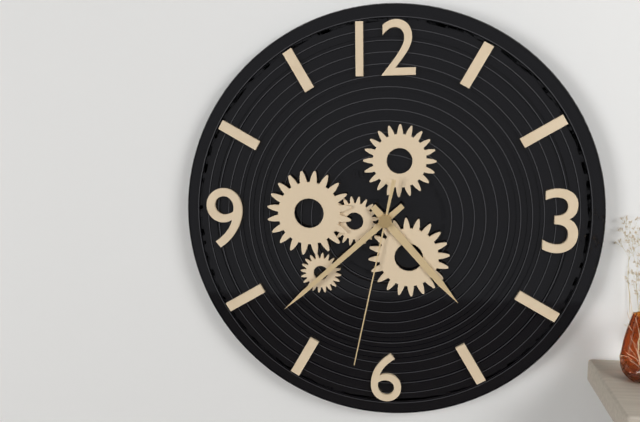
4:38:32
